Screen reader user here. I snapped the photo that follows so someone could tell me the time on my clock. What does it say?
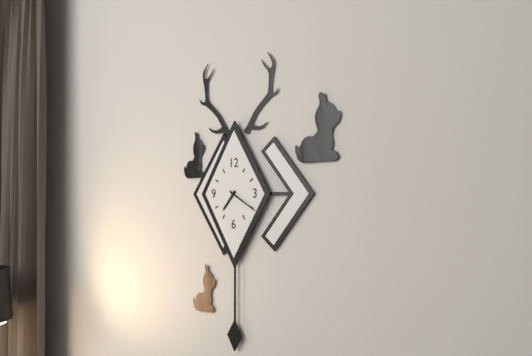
7:20
